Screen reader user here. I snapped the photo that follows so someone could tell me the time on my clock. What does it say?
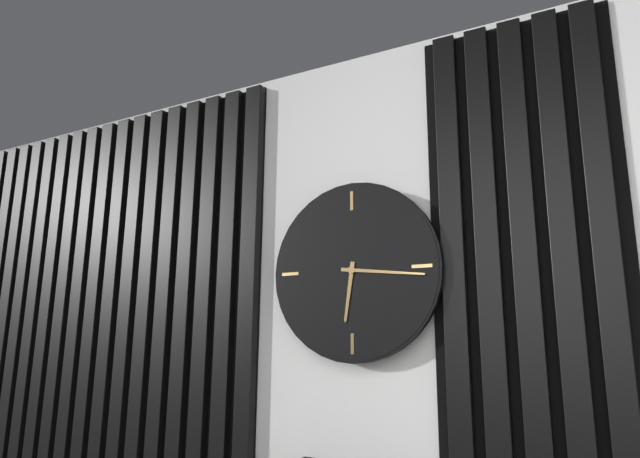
6:16
